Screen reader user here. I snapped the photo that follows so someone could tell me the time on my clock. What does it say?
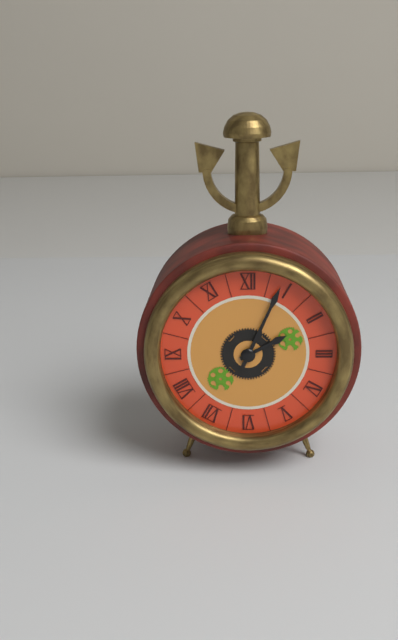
2:04
